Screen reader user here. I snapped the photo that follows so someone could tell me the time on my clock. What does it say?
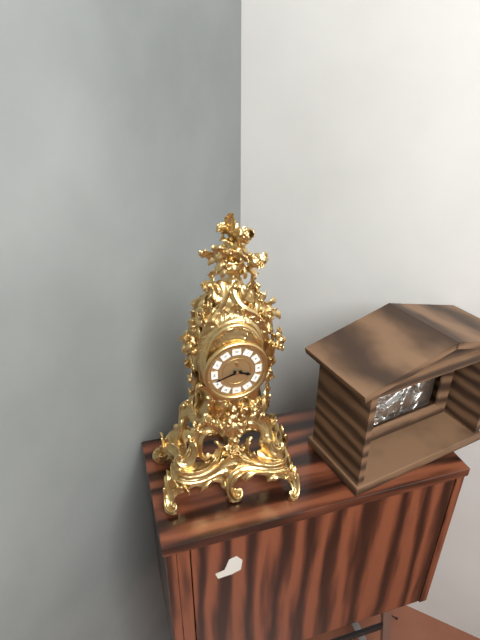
3:42
